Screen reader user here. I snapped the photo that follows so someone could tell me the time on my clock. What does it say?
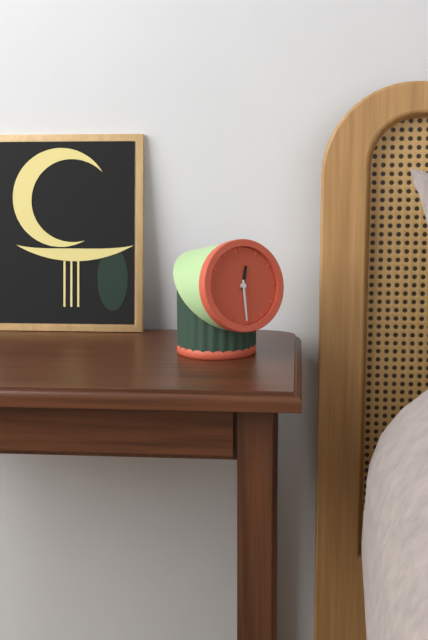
12:30
